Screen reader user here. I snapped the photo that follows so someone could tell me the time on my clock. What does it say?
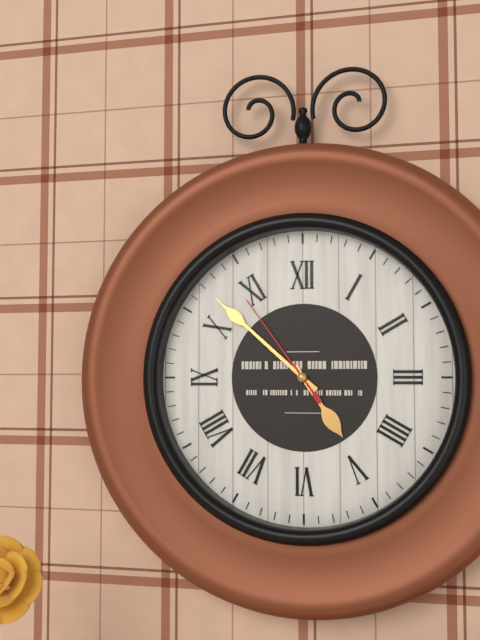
4:52:54
